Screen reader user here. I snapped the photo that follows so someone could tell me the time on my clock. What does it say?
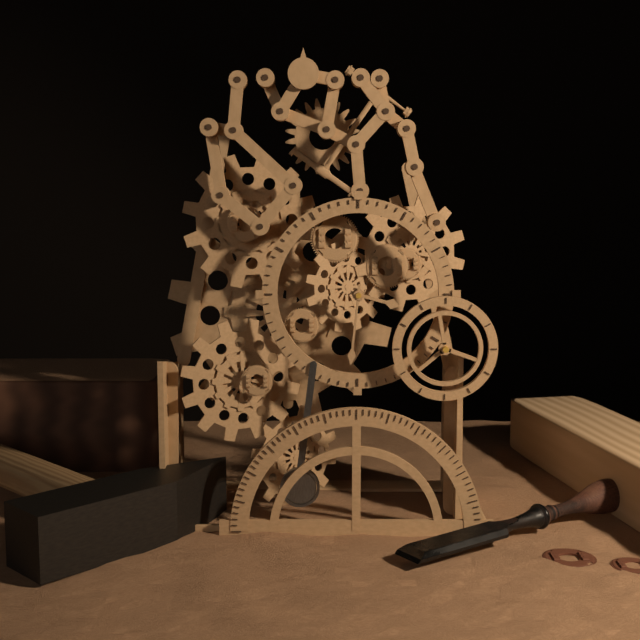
3:31
